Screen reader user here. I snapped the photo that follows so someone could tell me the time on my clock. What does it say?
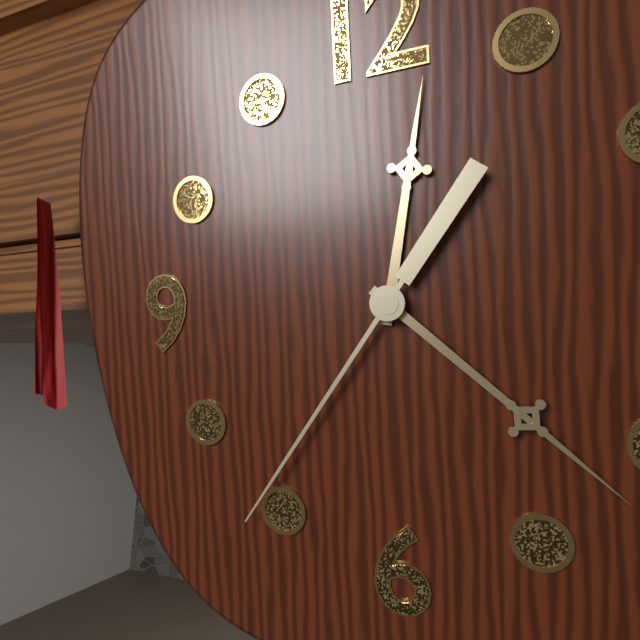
12:22:36
